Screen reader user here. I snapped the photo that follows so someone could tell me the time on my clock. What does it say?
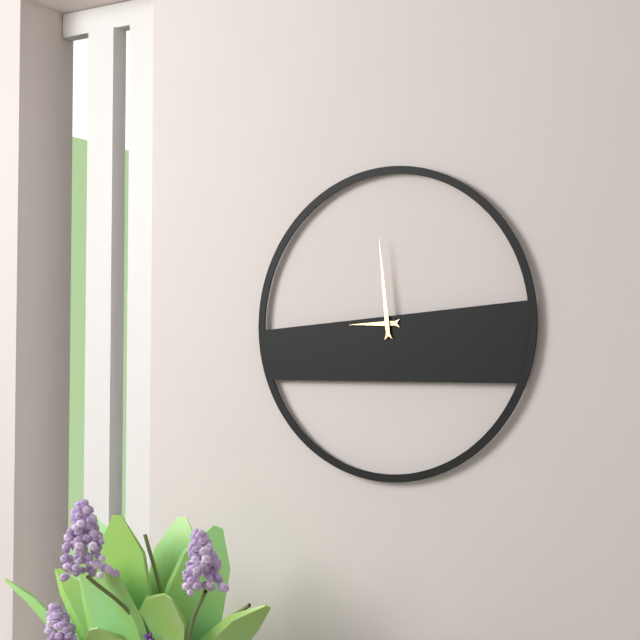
8:59
